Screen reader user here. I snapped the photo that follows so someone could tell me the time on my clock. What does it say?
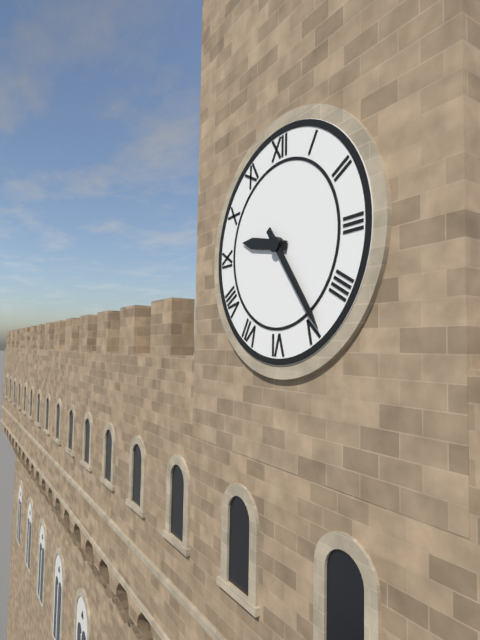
9:24
